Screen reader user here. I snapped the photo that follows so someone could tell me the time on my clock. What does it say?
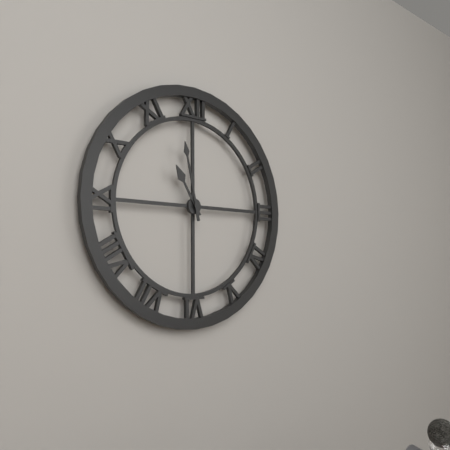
10:58
